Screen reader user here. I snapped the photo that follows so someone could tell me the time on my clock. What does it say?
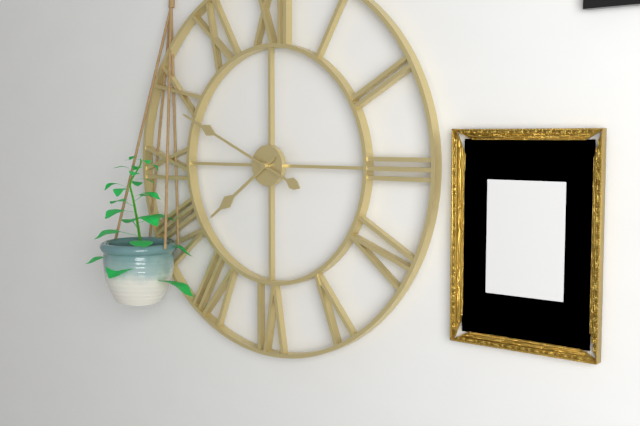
7:49
